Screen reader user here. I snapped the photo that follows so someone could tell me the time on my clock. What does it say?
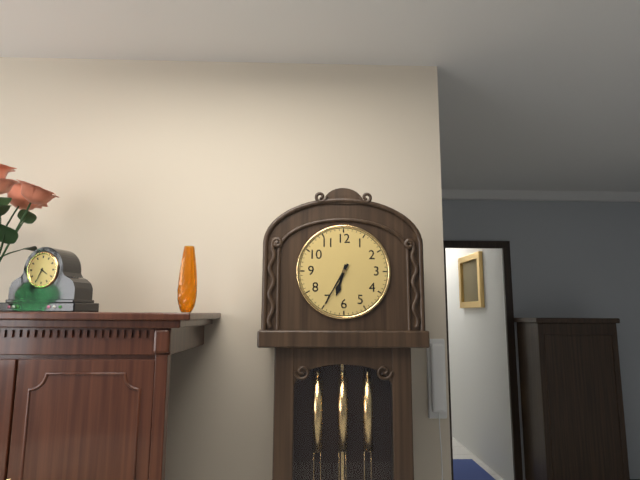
6:35
